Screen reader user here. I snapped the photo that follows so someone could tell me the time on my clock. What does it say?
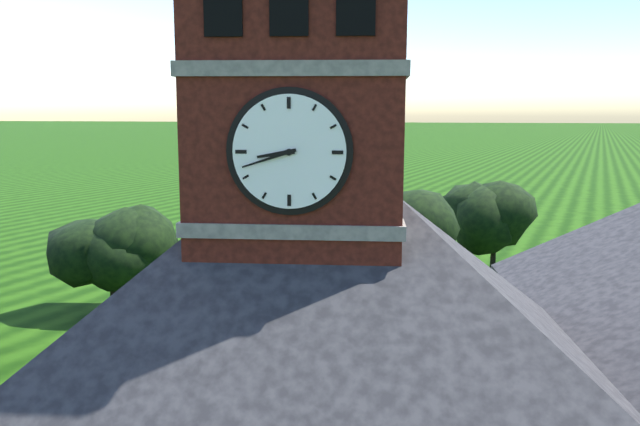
8:42
